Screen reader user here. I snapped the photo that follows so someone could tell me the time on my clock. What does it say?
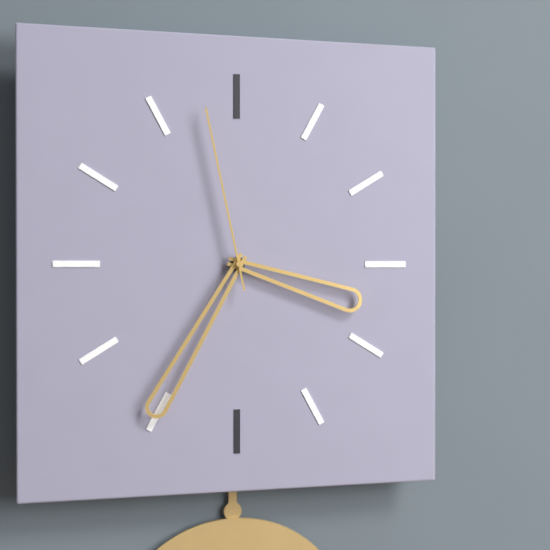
3:35:58
